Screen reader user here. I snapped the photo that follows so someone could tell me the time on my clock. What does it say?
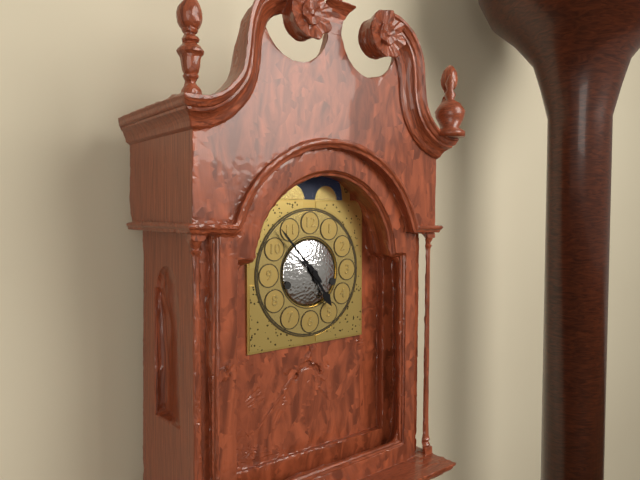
4:53
